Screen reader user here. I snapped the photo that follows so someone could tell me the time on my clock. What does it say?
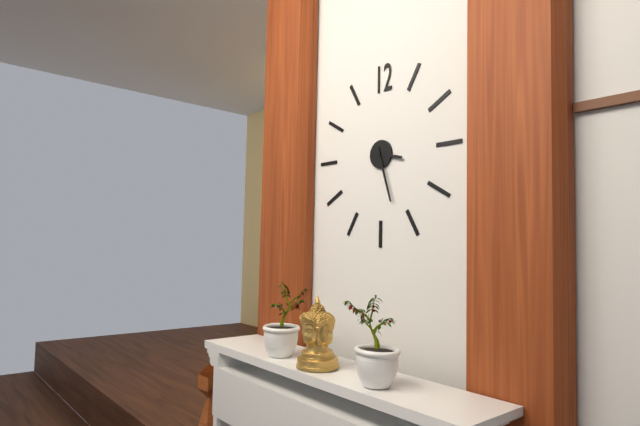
3:27
